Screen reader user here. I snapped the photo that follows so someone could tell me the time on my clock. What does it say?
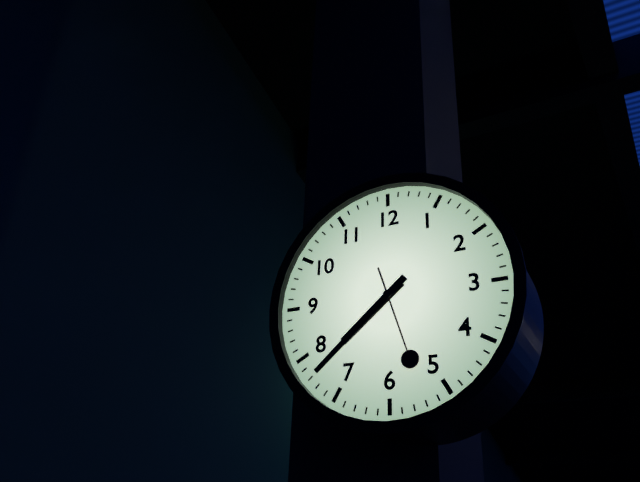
7:38:27
